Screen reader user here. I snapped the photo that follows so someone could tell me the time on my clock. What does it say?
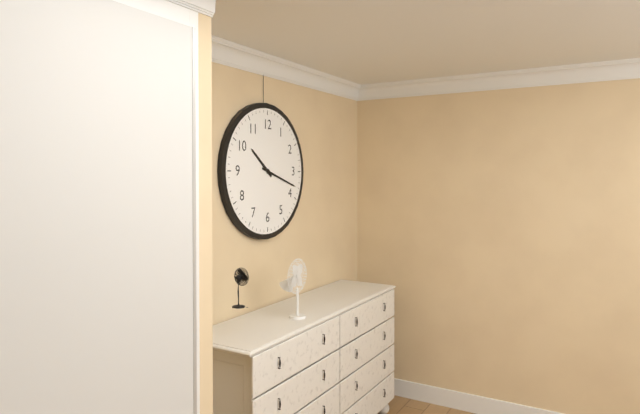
10:18
